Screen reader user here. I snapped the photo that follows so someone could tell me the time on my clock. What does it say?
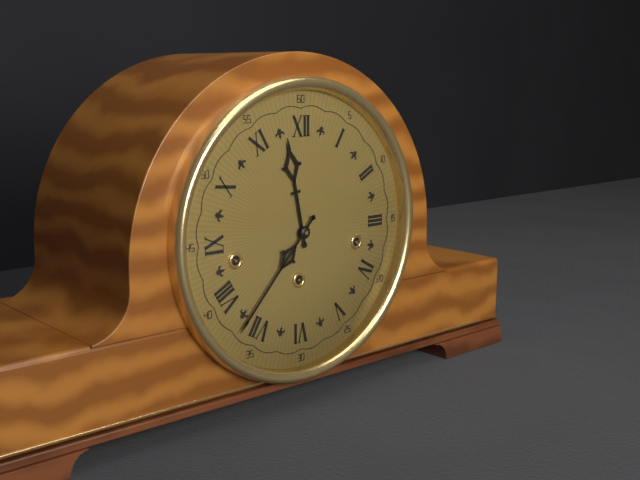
11:37
